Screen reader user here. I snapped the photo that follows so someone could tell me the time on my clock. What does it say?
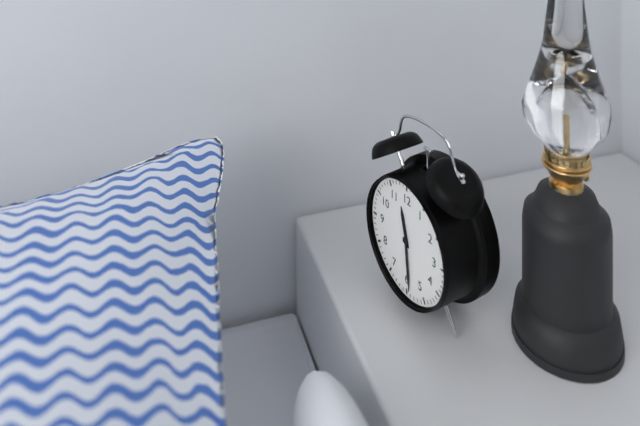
11:29
